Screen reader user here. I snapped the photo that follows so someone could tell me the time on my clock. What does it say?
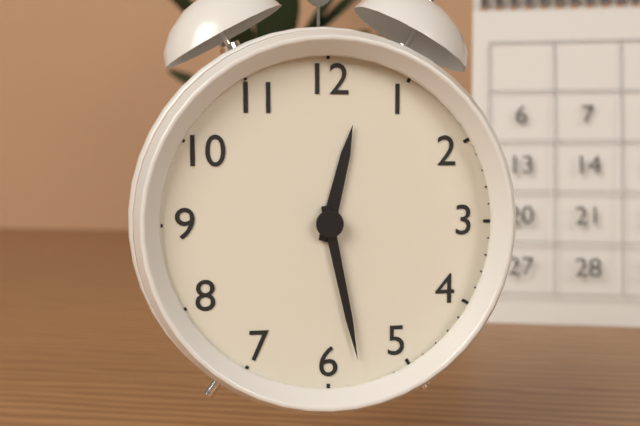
12:28
